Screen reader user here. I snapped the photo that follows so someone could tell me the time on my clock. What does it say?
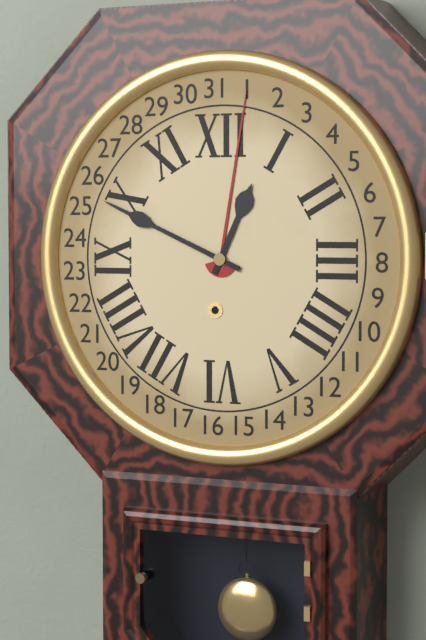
12:49
